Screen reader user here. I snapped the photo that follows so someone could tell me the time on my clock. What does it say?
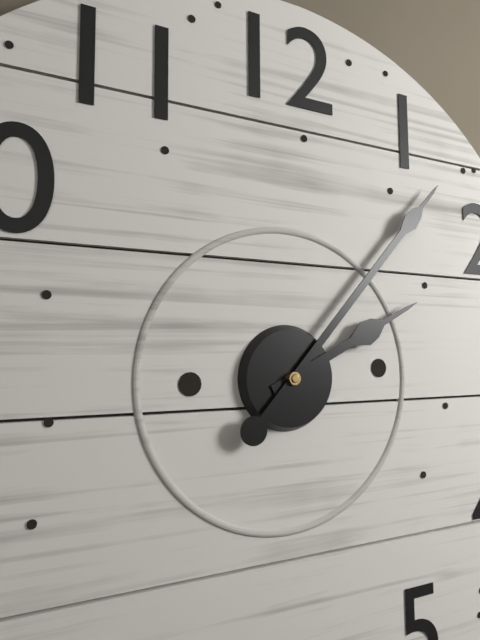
2:07
